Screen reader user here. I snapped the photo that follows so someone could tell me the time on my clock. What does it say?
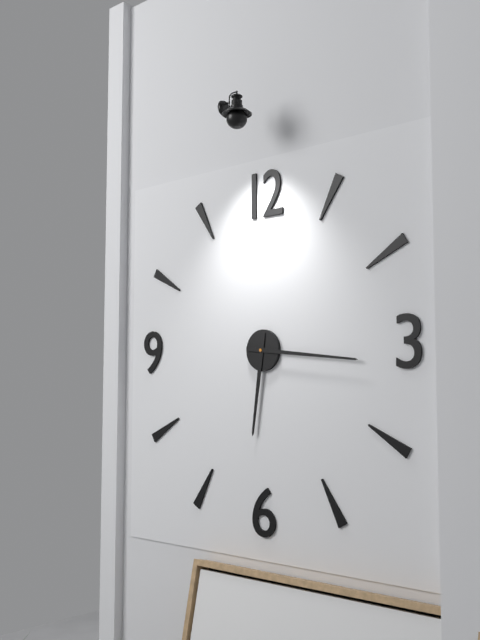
6:16
